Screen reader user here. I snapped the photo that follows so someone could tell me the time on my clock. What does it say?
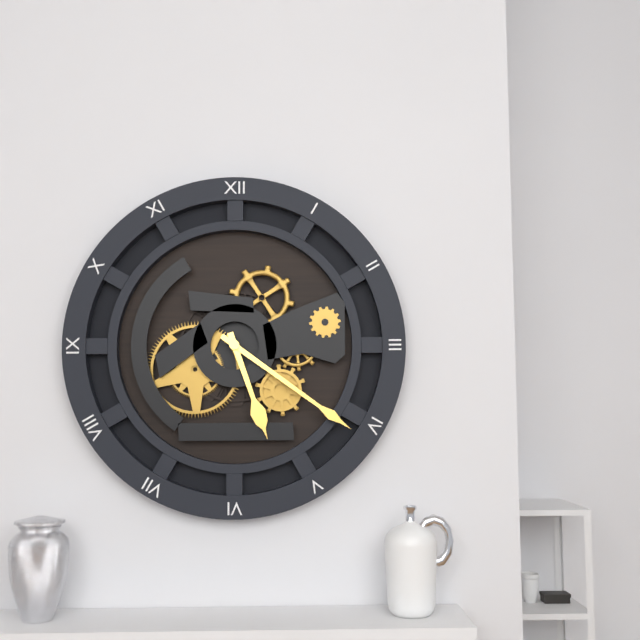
5:21
